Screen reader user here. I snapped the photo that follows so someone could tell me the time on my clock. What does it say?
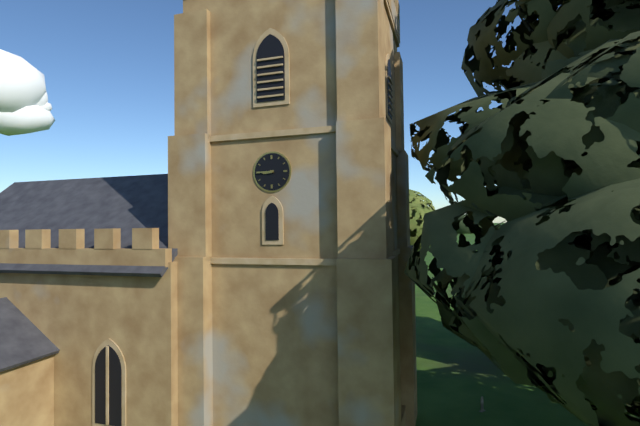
8:45
